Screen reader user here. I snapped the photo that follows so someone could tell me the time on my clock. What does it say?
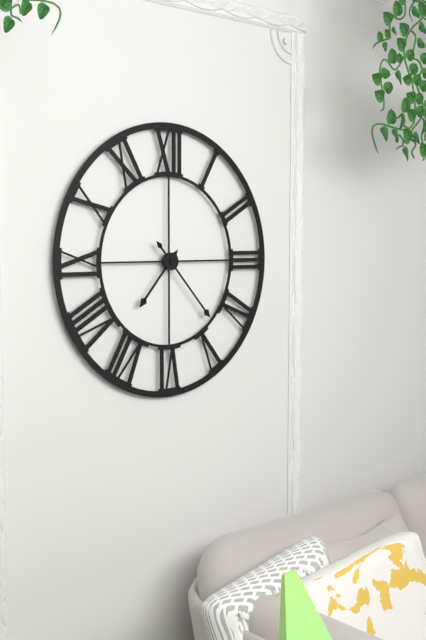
7:23
